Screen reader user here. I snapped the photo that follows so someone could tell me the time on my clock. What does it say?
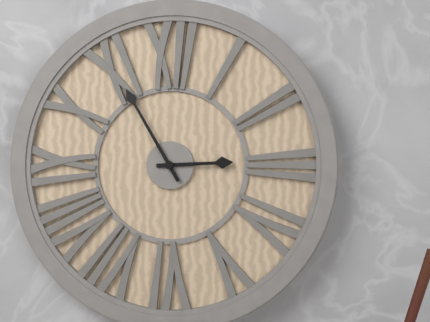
2:55
